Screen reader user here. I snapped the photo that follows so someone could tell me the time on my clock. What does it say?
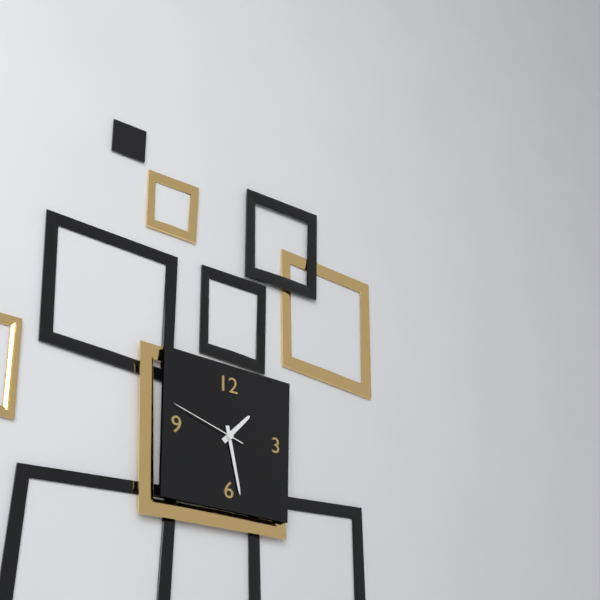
1:28:48
